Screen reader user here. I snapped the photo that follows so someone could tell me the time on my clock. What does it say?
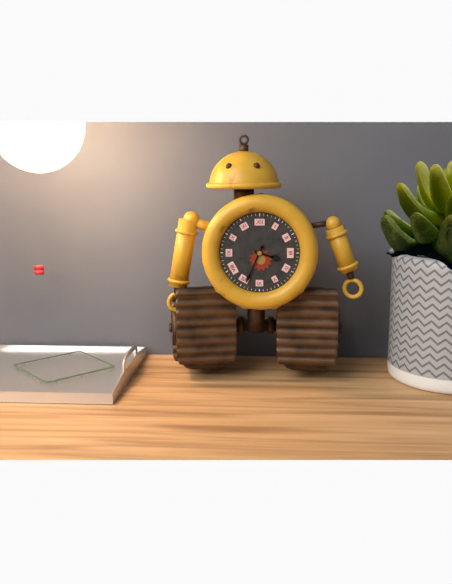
3:34
